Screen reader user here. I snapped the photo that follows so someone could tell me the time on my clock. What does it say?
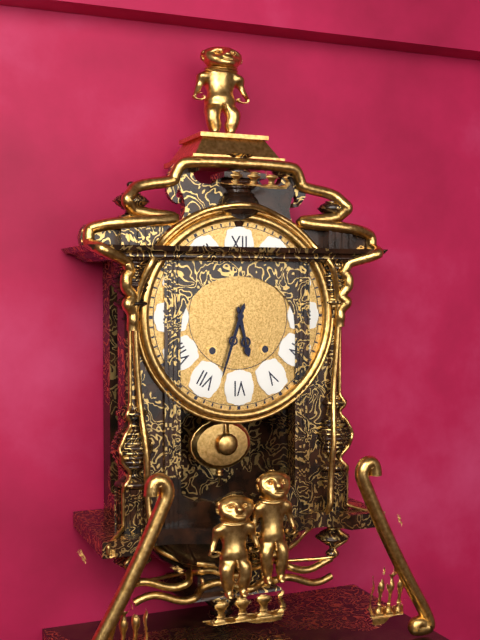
5:33
